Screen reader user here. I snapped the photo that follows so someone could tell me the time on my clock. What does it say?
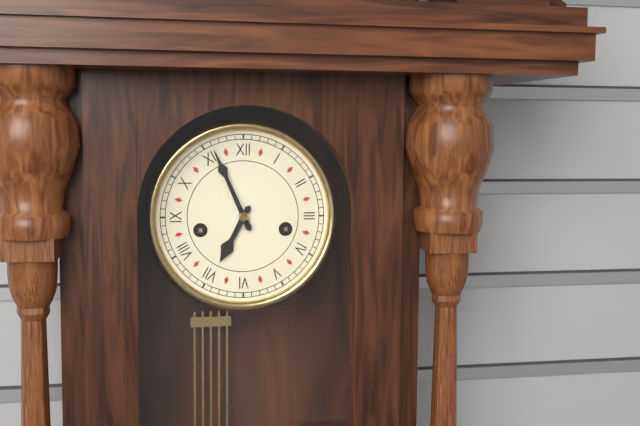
6:56
